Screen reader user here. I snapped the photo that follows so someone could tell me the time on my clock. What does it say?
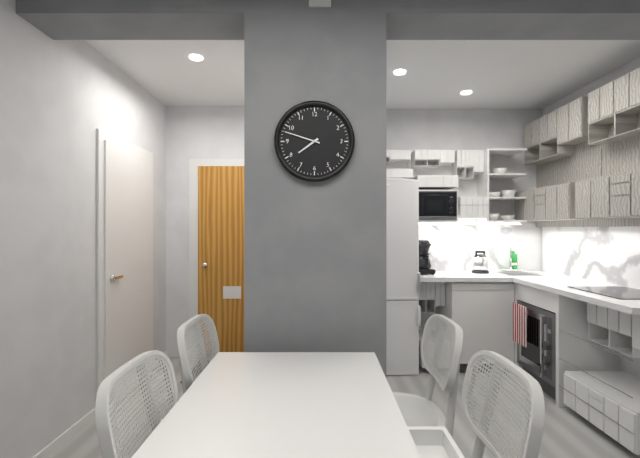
7:48
